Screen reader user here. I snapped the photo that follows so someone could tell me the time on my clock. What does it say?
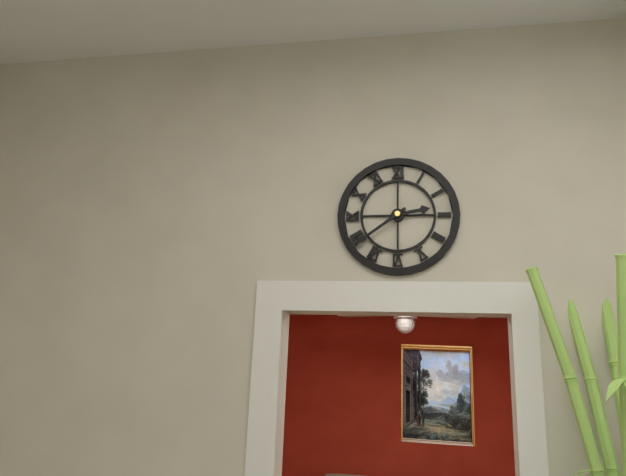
2:39
